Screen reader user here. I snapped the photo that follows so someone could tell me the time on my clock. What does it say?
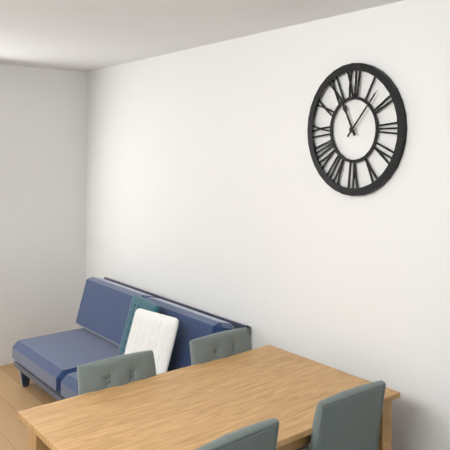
11:07
